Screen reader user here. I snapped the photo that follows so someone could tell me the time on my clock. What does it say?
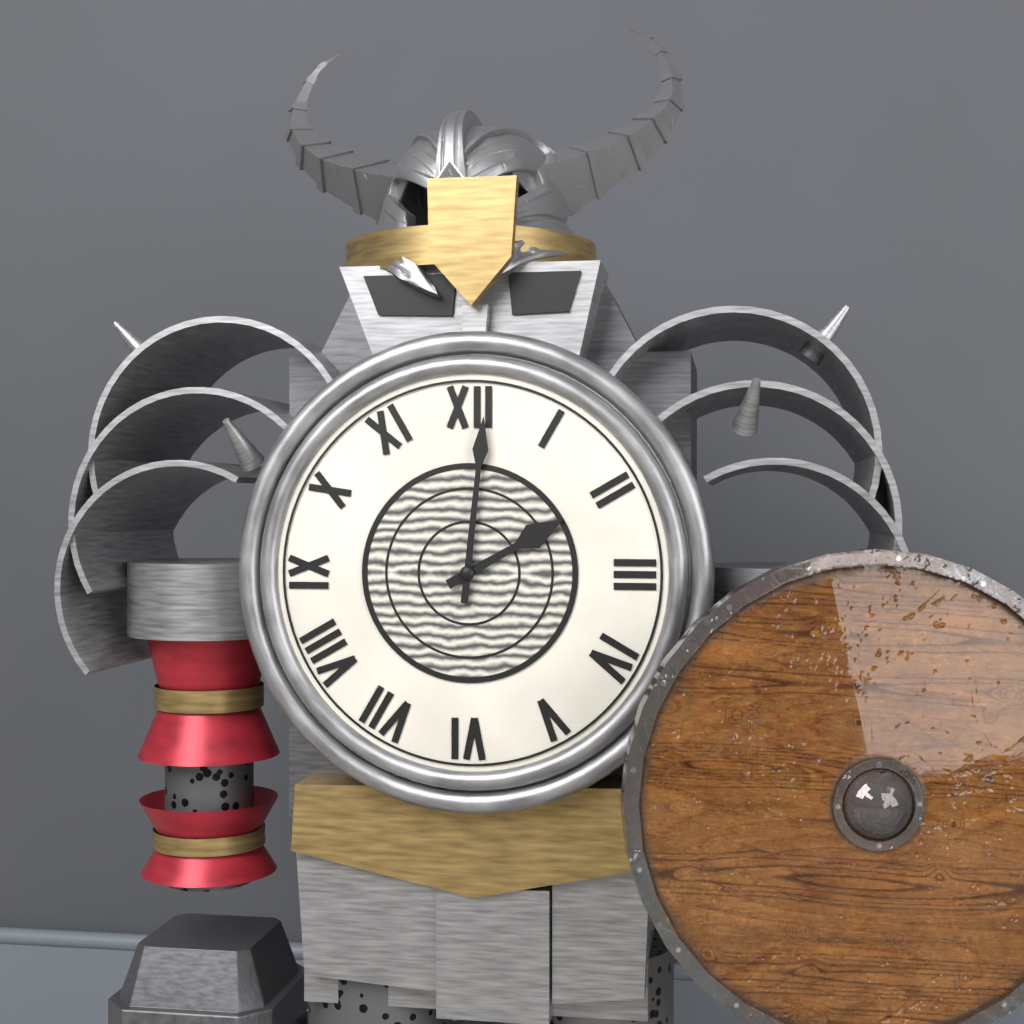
2:01
